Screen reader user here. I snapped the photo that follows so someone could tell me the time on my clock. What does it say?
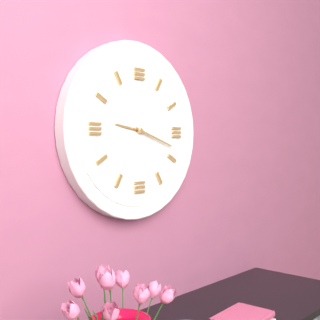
9:18
